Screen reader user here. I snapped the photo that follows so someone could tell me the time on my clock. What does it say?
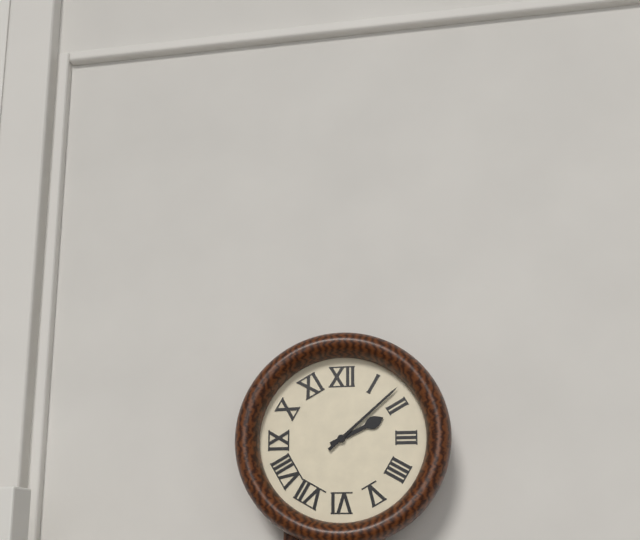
2:08
